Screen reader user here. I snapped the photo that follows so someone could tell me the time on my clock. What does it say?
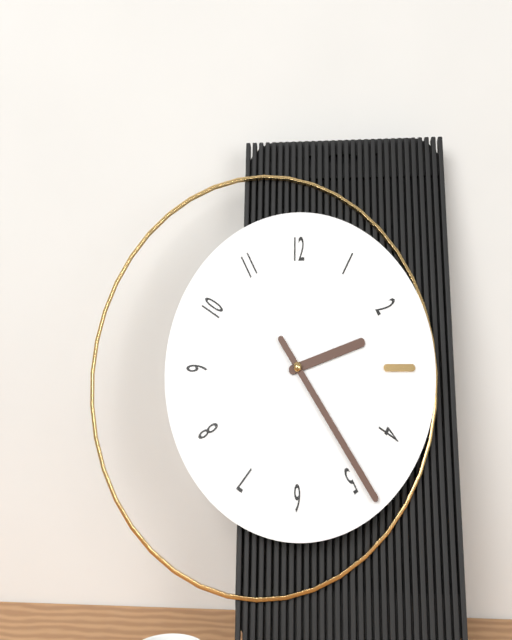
2:24
